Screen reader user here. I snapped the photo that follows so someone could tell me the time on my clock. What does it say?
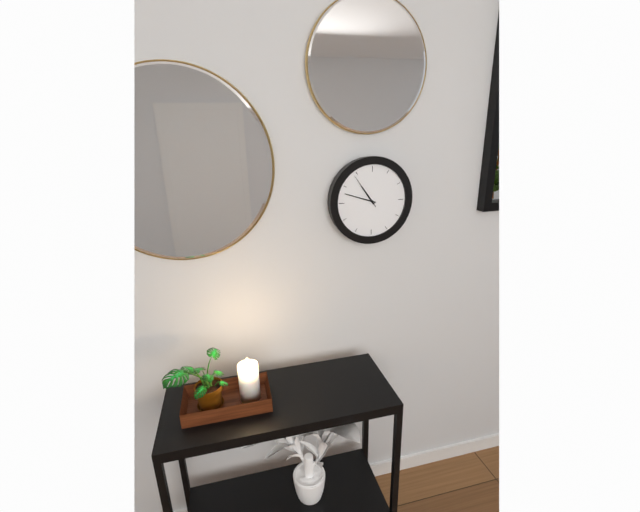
10:48
